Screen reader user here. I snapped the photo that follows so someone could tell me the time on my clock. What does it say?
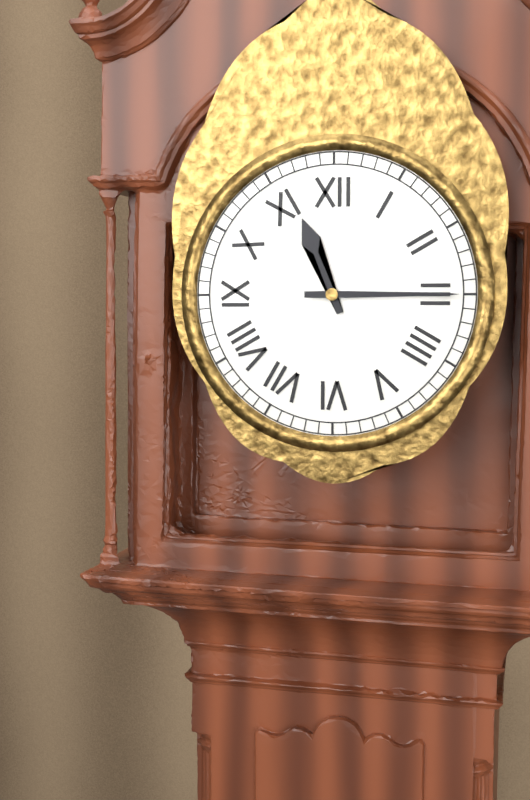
11:15
